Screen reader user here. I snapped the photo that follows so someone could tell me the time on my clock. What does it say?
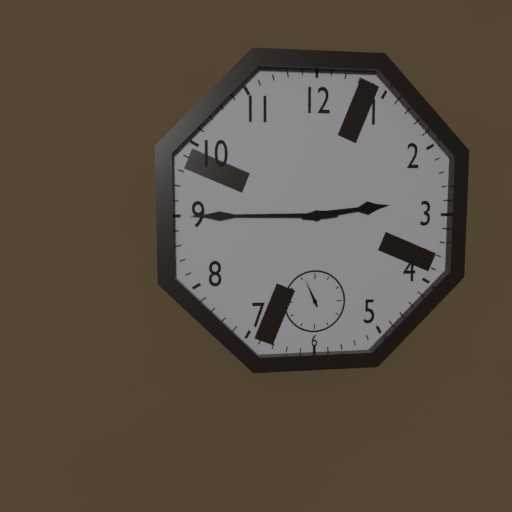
2:45
